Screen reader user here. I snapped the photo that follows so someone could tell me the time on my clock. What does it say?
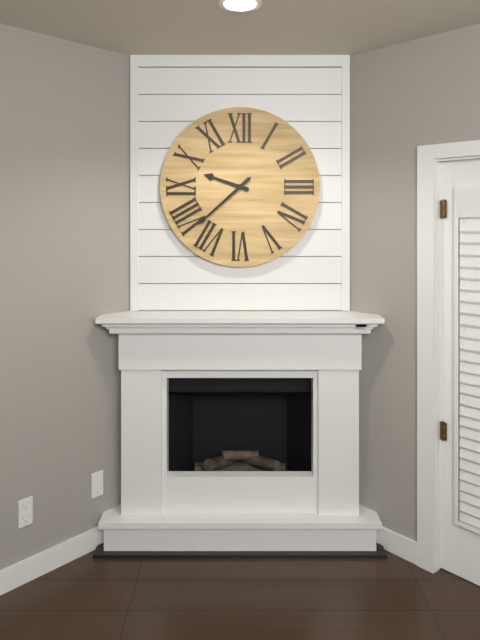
9:38
